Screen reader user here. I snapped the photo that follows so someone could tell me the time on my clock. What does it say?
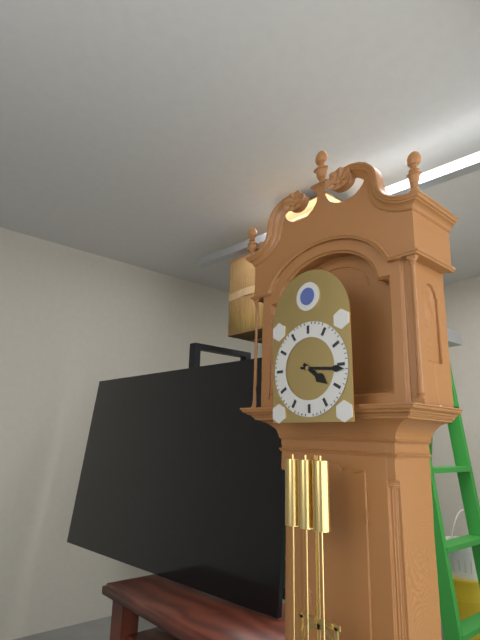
4:16
